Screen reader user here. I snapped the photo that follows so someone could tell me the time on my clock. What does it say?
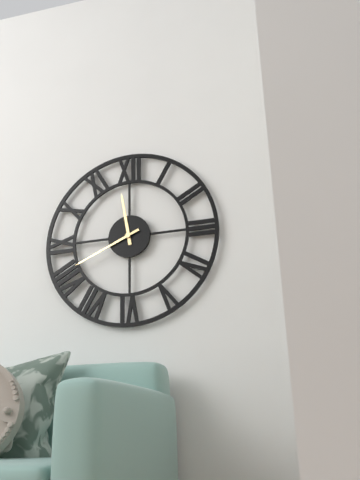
11:41
